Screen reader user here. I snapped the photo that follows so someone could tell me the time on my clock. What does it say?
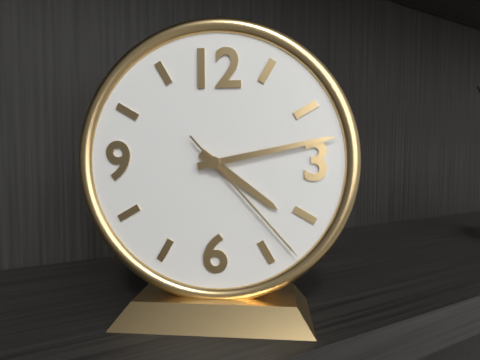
4:13:23
